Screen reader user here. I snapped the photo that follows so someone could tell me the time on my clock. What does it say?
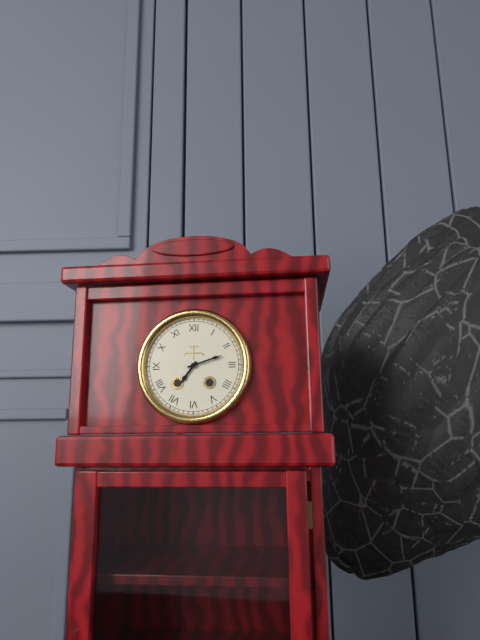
7:12
